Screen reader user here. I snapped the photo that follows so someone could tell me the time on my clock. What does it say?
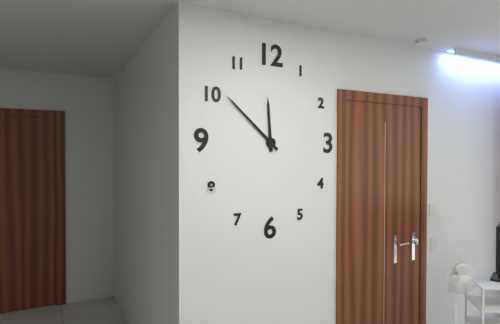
11:52
